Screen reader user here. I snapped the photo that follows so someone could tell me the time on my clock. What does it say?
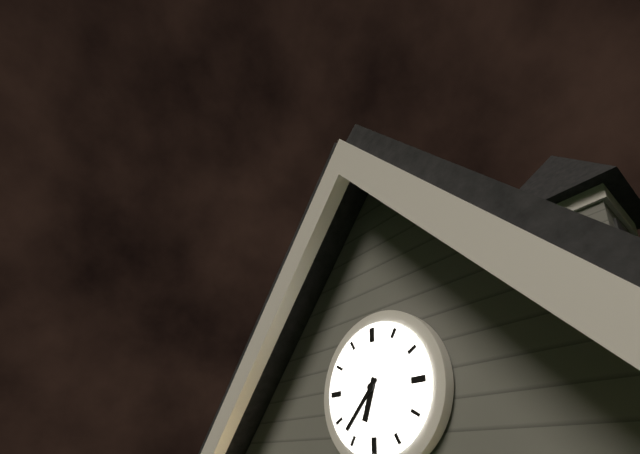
6:37
